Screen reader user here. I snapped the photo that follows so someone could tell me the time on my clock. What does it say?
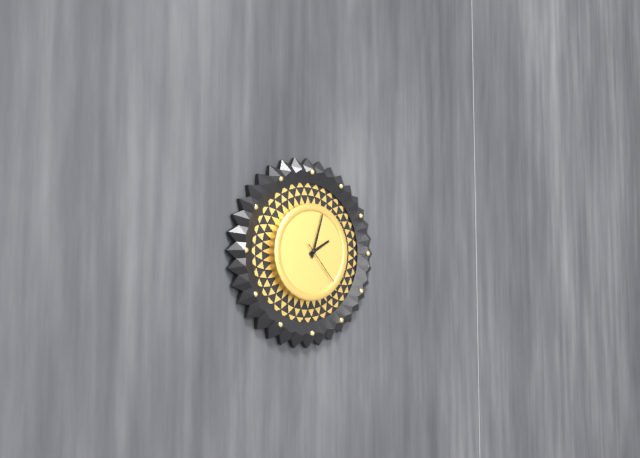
2:03:23
